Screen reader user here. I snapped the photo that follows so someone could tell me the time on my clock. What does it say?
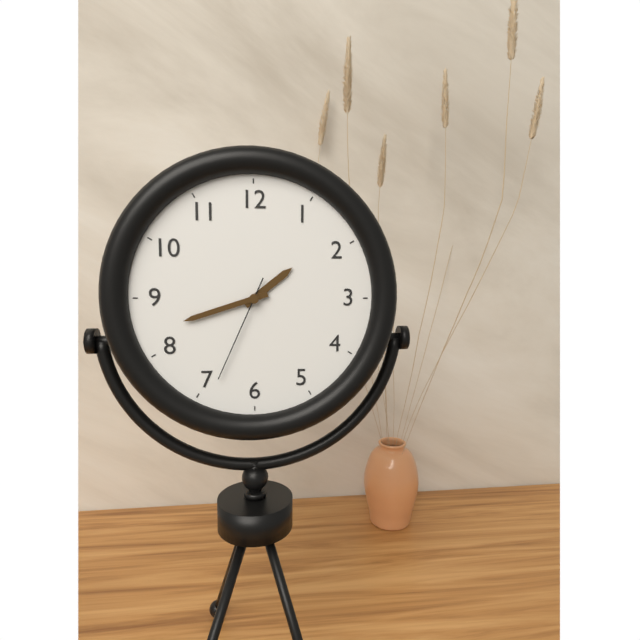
1:42:34
